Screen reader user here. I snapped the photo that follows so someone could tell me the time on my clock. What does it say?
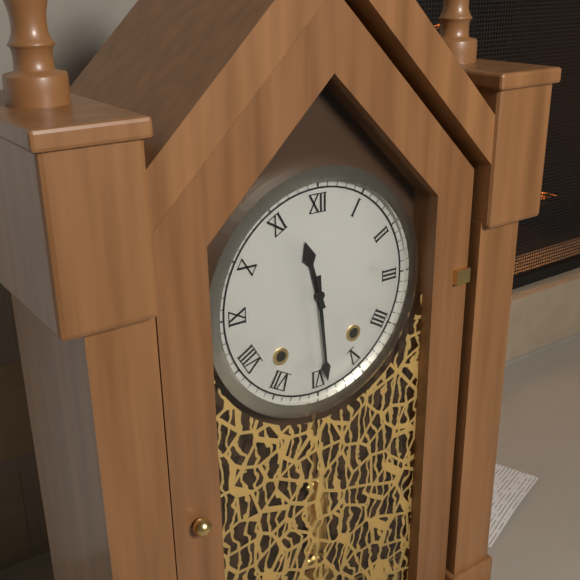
11:29
